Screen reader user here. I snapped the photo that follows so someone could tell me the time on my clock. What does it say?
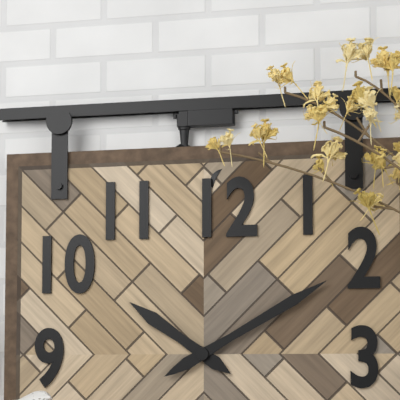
10:10
